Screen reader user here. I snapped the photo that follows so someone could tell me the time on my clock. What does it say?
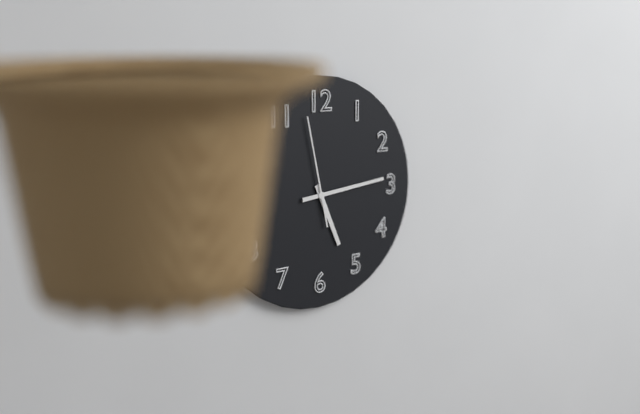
5:14:58
